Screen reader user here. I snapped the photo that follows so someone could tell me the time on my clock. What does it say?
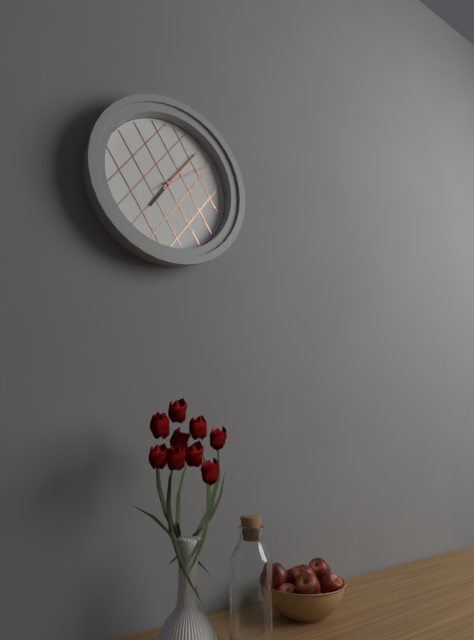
7:06:09
